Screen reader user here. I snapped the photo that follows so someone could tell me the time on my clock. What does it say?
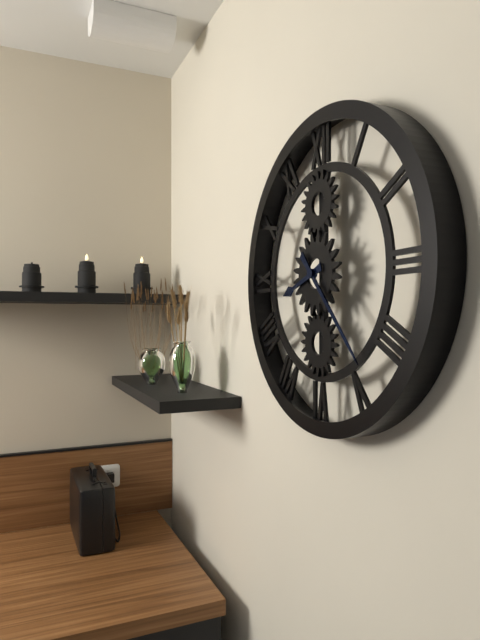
8:23
